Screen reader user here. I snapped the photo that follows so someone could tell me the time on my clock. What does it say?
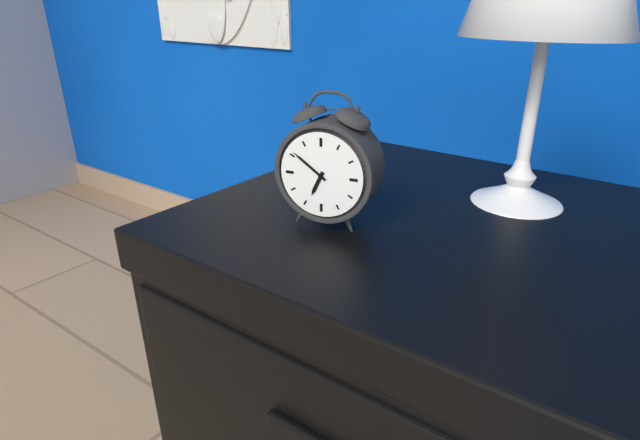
6:51
